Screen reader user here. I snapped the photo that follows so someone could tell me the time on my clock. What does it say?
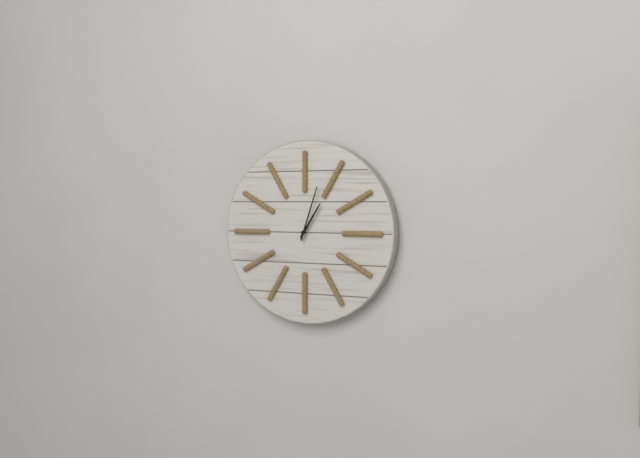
1:03
